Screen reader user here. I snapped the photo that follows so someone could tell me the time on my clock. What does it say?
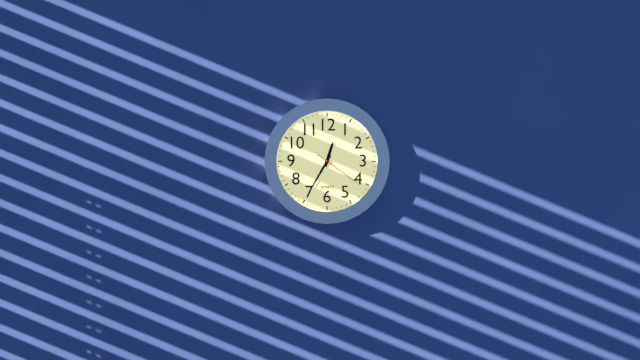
12:35
